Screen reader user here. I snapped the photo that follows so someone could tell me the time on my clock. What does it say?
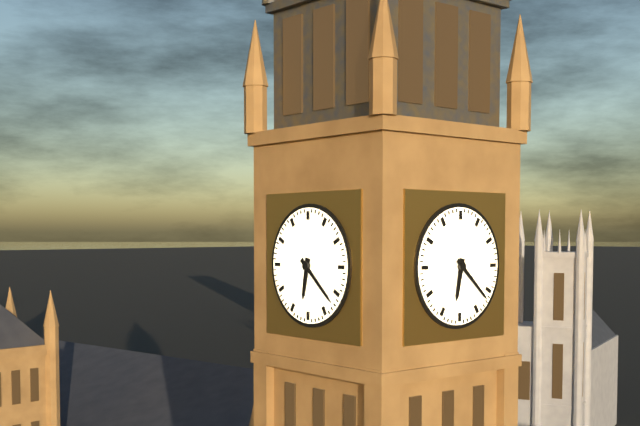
6:22
